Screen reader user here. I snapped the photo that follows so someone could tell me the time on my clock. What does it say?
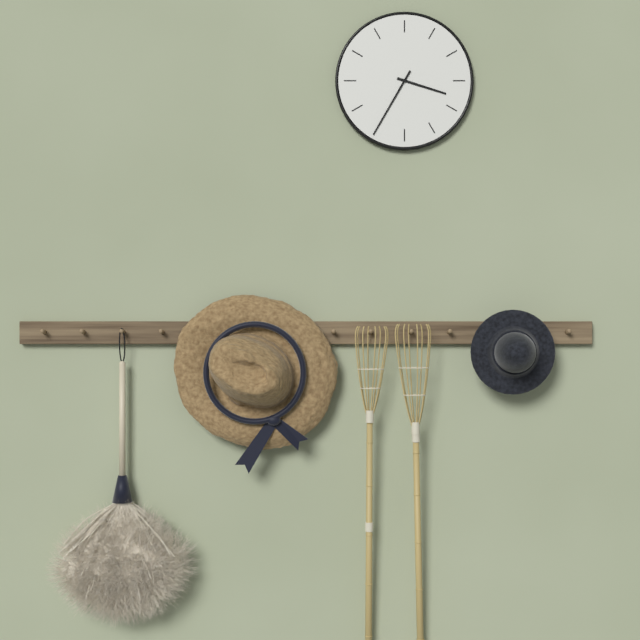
3:35
